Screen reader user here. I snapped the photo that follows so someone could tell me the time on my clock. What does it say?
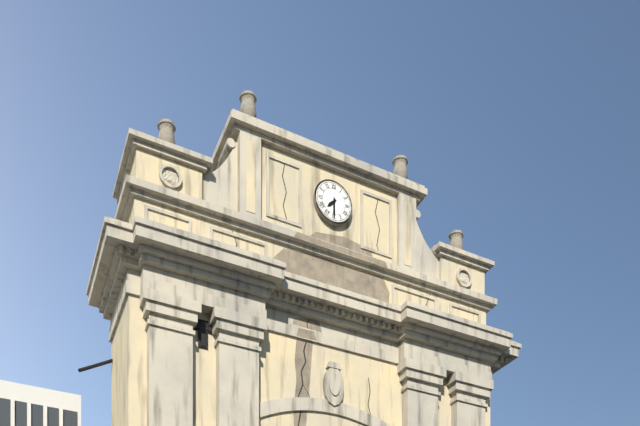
7:30
